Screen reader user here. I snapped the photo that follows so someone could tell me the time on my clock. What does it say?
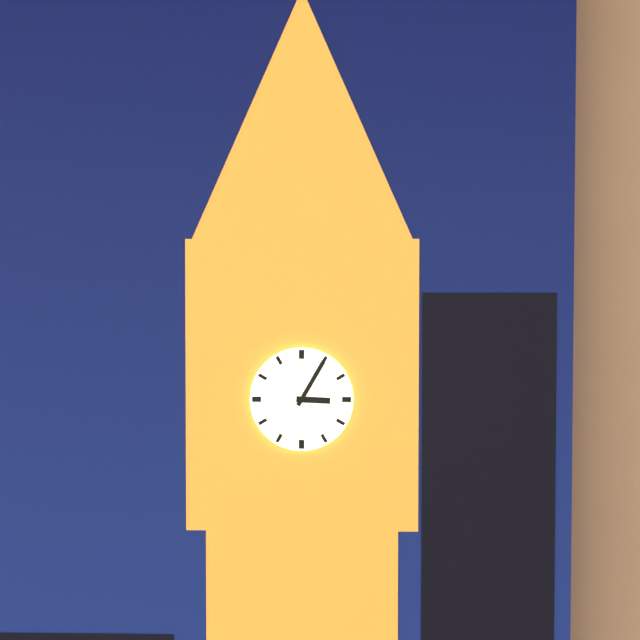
3:05
